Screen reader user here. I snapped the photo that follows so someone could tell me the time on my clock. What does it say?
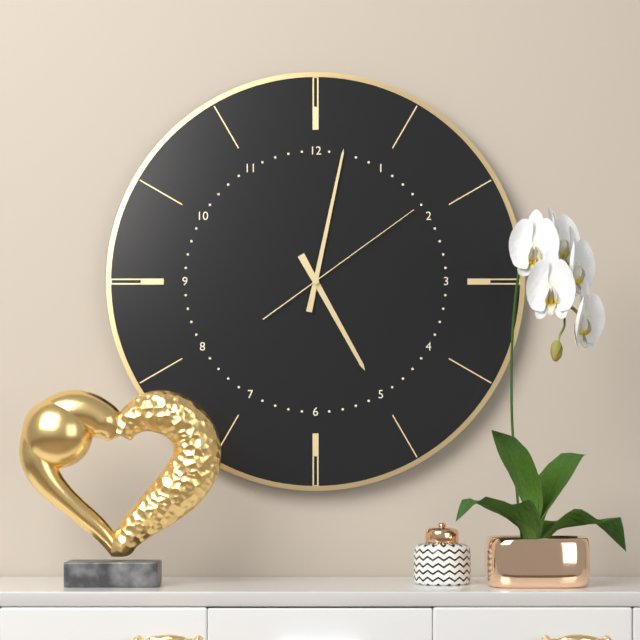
5:02:09
